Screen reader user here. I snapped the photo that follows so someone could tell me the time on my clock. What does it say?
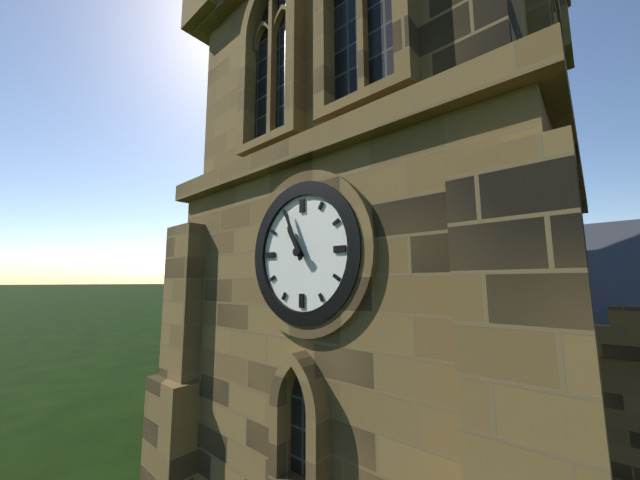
10:56
